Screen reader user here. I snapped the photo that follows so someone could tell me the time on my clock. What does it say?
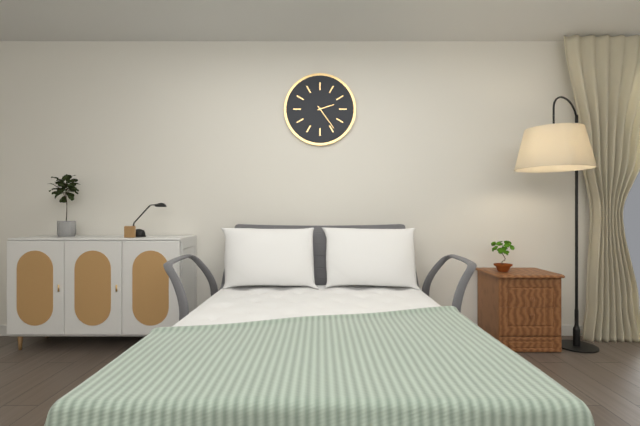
2:24
